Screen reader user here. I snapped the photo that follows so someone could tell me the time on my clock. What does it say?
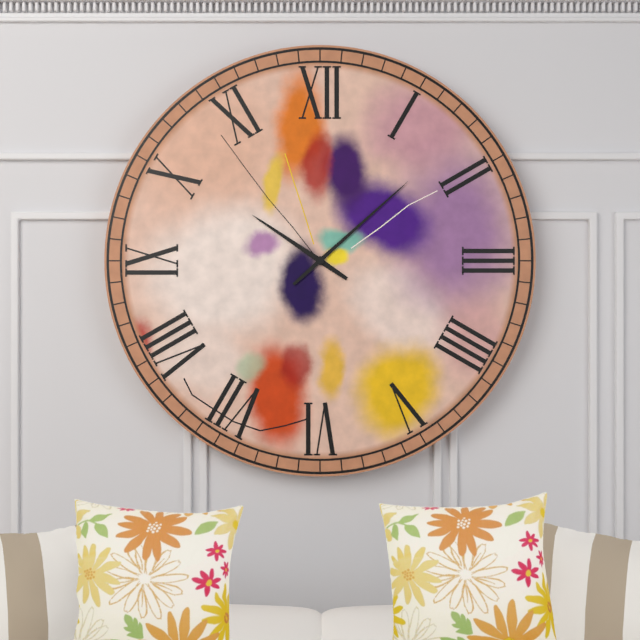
10:08
